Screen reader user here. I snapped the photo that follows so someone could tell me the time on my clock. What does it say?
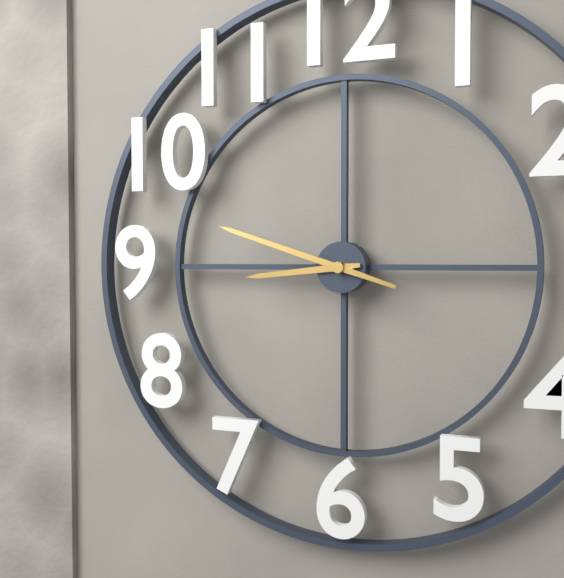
8:48
